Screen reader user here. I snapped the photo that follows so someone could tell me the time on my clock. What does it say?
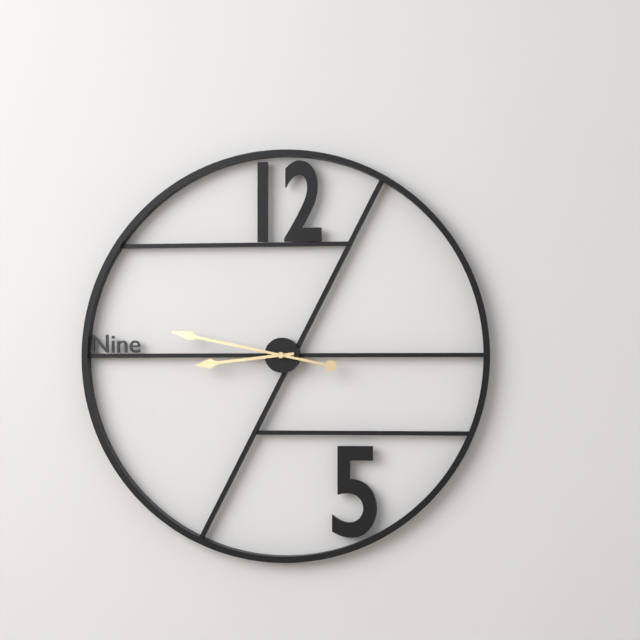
8:47
